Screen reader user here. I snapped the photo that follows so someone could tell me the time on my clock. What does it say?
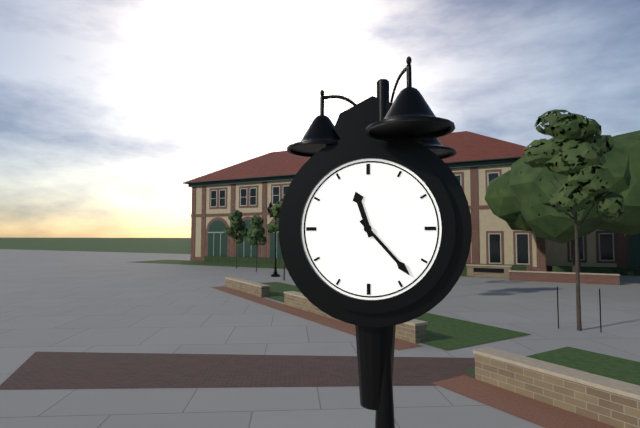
11:23
